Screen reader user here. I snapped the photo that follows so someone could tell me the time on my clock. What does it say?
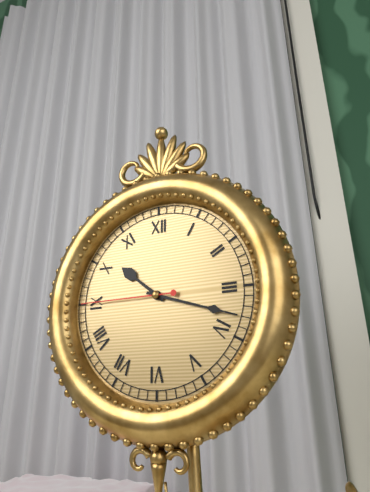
10:18:45
